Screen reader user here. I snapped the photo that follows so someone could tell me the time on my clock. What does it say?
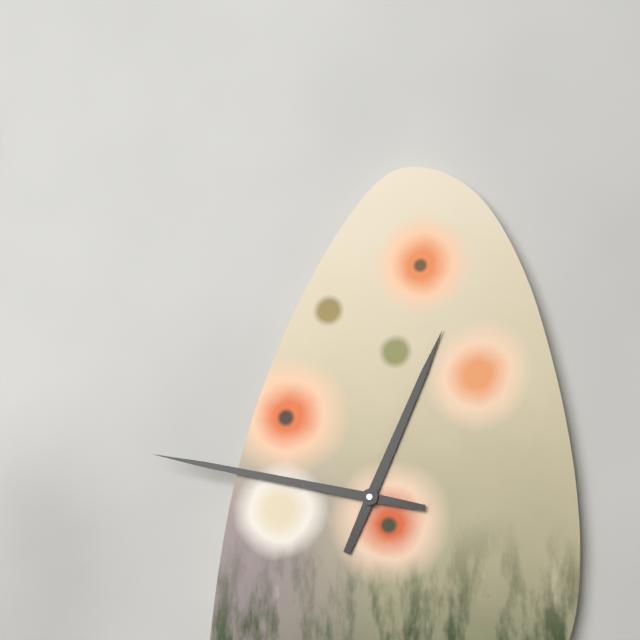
12:47
